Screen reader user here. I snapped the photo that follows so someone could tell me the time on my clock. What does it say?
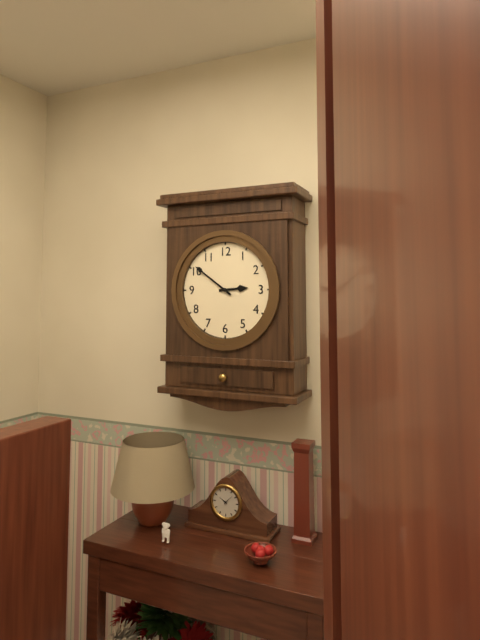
2:51
